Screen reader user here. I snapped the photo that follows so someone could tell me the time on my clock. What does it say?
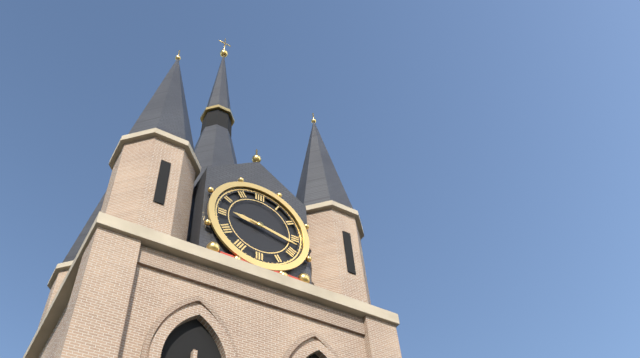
9:17
